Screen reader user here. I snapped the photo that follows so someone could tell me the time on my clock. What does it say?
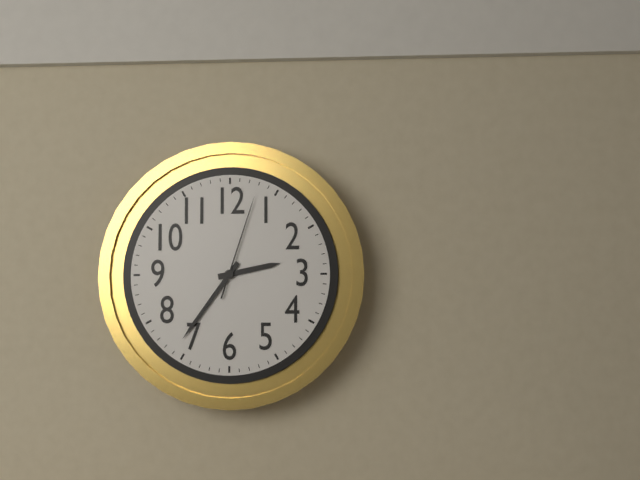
2:36:03
